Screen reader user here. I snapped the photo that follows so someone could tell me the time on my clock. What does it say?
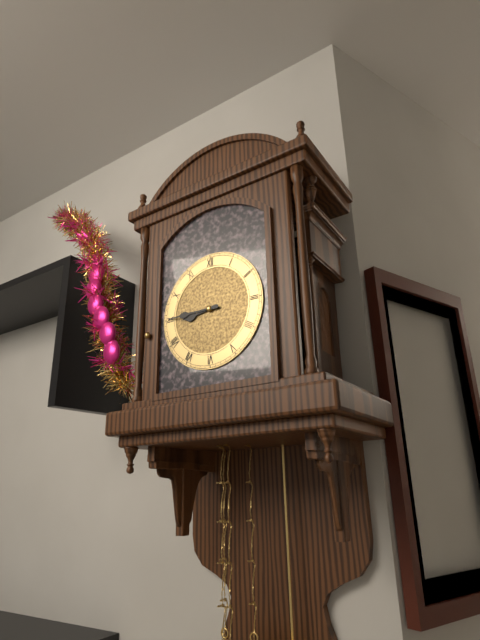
8:45
